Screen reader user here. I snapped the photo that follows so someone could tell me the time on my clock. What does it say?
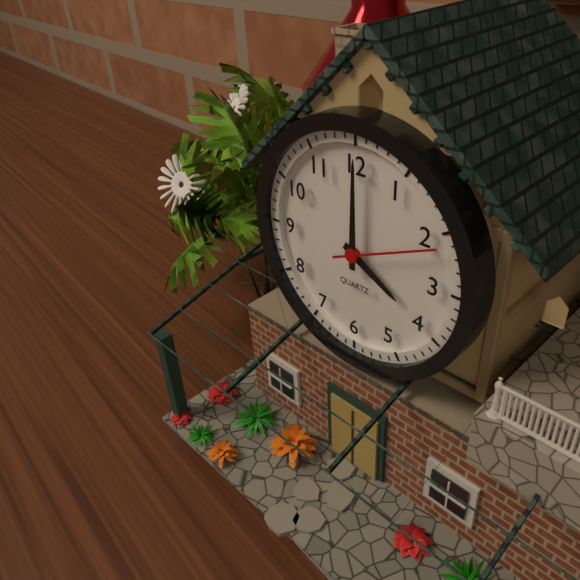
4:00:11
